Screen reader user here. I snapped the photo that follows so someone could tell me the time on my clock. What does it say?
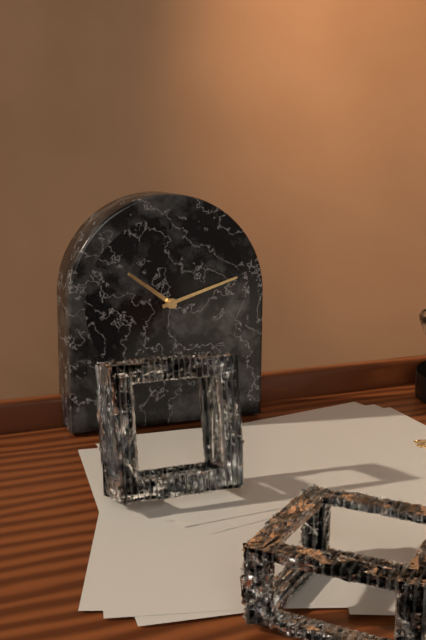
10:12
